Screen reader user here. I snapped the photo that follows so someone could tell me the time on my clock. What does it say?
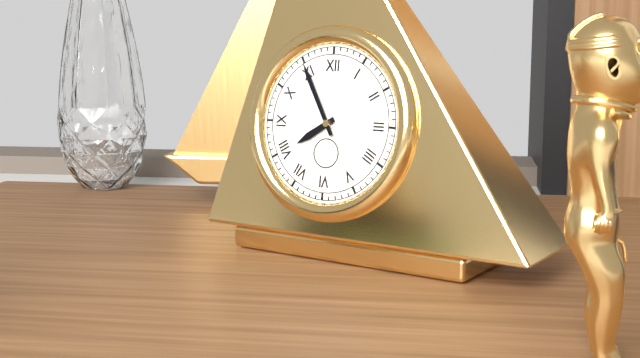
7:55
